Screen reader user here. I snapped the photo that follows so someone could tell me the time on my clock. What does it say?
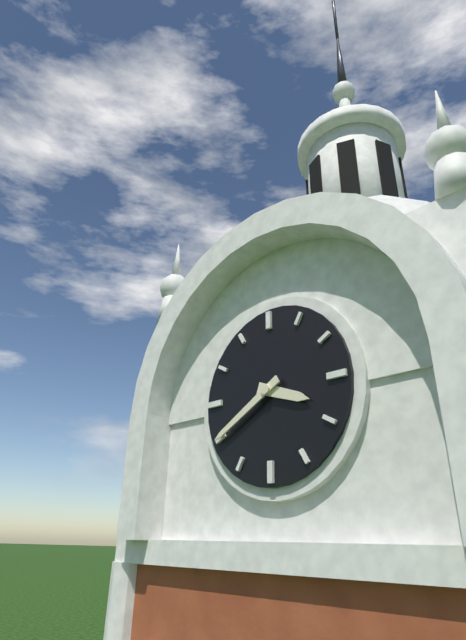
3:40
